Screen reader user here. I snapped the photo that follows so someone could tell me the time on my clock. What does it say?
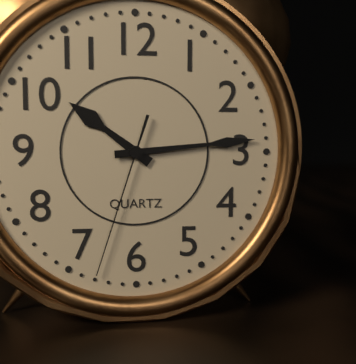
10:14:33
